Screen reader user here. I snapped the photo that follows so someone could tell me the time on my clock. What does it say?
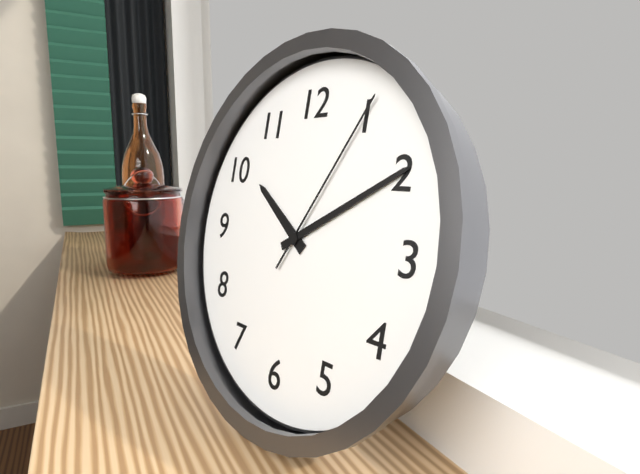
10:10:05
